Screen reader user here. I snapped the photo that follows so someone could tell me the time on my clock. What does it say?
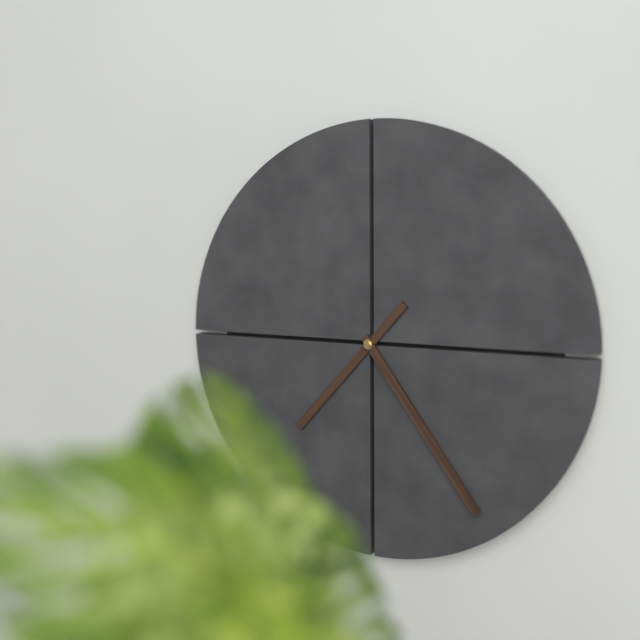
7:24
